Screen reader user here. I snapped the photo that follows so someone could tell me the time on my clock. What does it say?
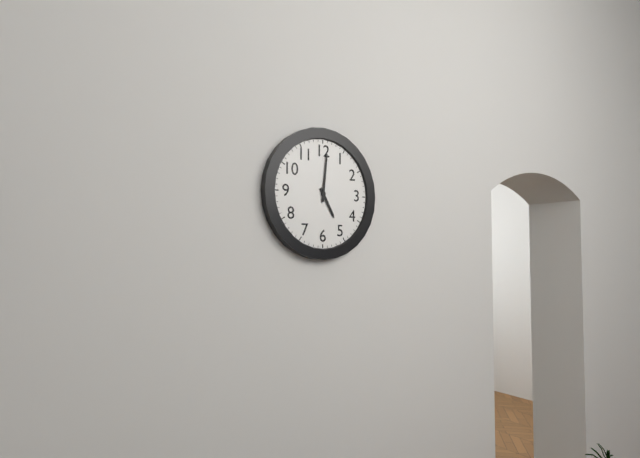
5:01
